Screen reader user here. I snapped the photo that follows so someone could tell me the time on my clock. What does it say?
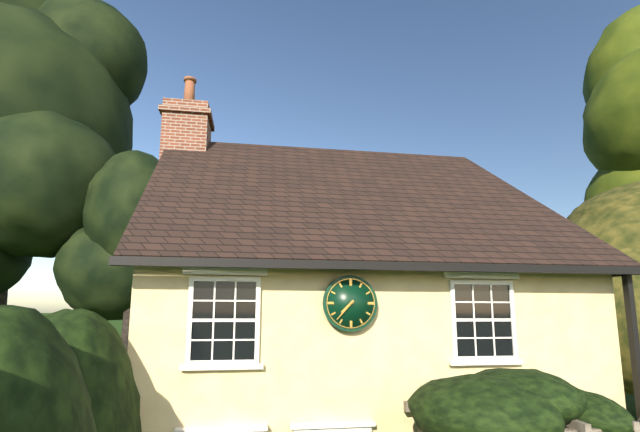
7:37
